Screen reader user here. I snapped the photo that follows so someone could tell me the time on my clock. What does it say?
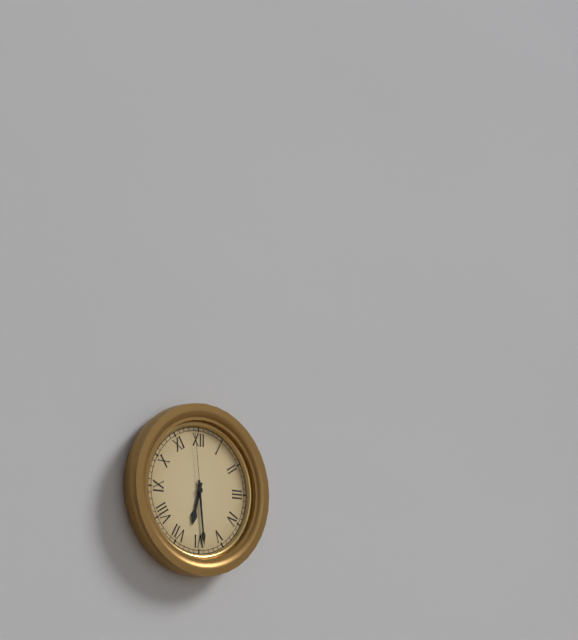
6:29:59
